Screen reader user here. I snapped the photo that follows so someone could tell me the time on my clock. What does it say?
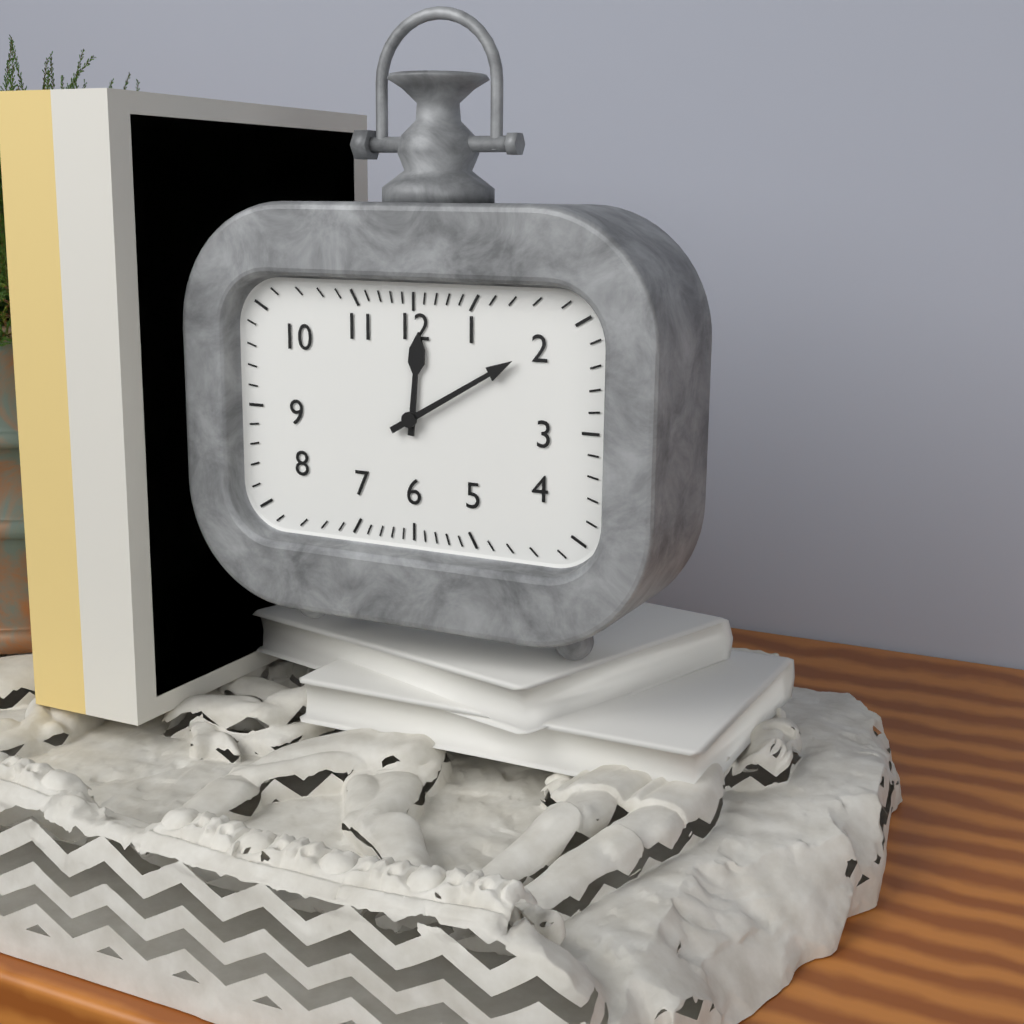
12:10
